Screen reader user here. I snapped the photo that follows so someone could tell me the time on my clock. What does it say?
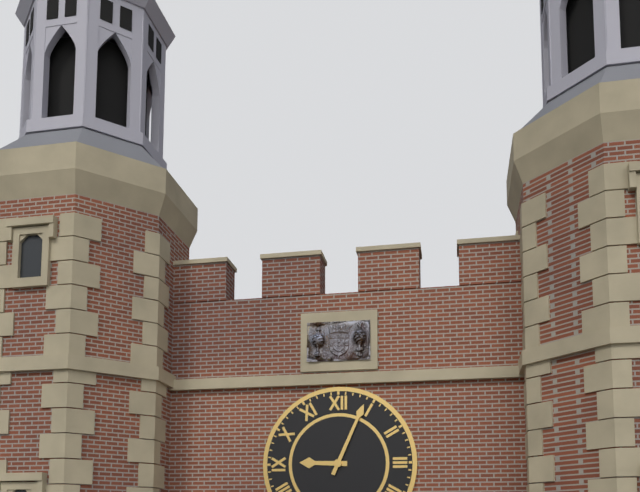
9:04
